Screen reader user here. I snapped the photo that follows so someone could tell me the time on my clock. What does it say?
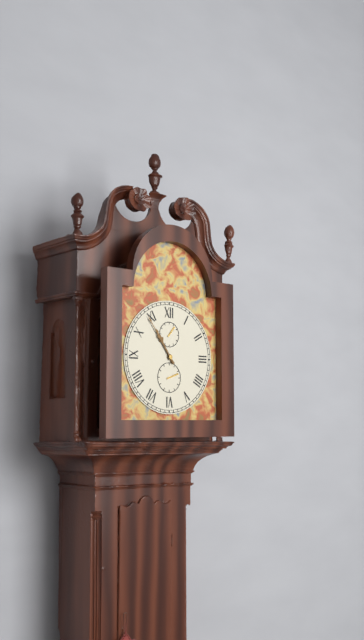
10:54
